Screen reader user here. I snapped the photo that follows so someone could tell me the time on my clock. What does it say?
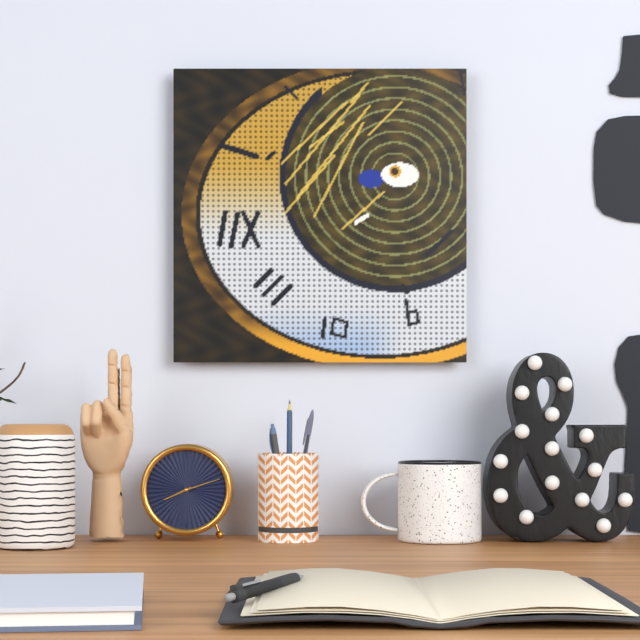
8:12
